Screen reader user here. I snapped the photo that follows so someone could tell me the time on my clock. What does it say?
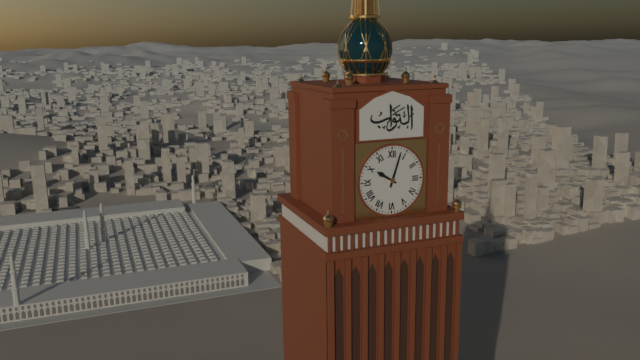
10:03
